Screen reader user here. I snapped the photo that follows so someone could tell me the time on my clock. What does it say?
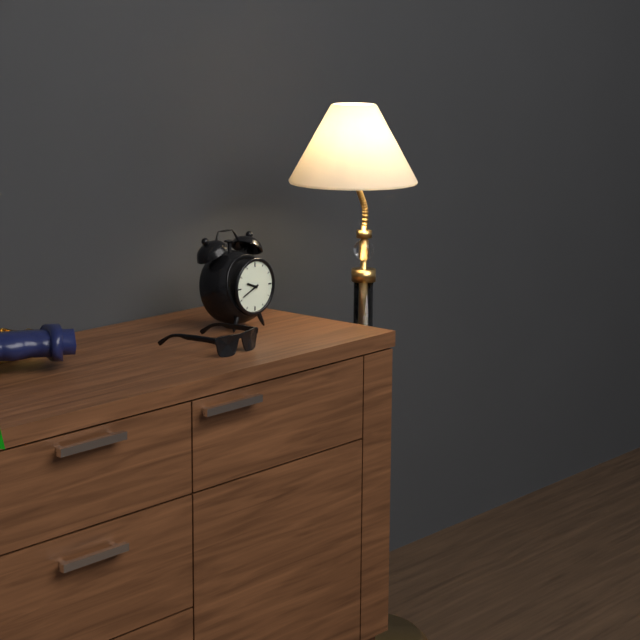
9:41
